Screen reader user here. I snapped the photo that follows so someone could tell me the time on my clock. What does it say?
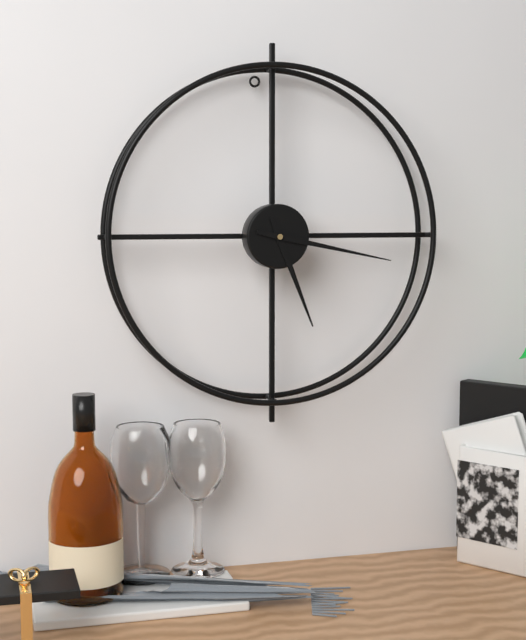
5:17
